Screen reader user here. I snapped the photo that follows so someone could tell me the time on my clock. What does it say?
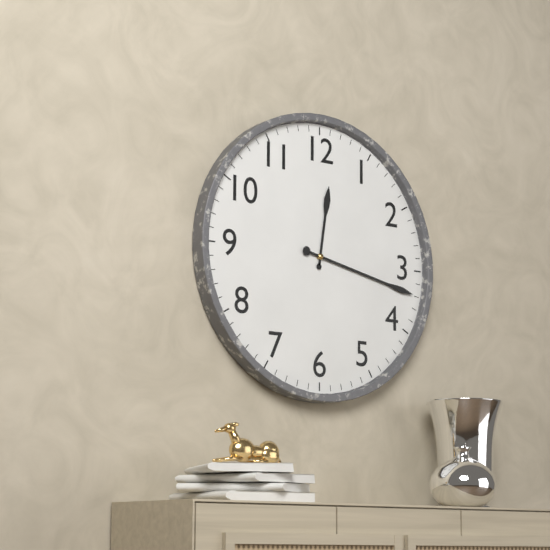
12:17
